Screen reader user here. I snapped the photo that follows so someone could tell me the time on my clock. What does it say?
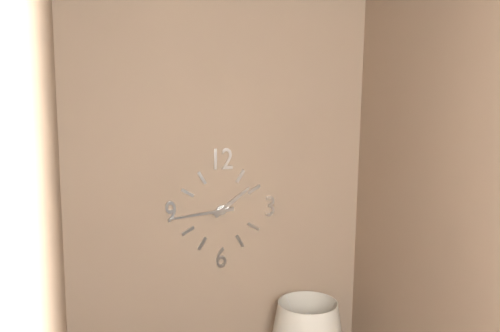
1:44
